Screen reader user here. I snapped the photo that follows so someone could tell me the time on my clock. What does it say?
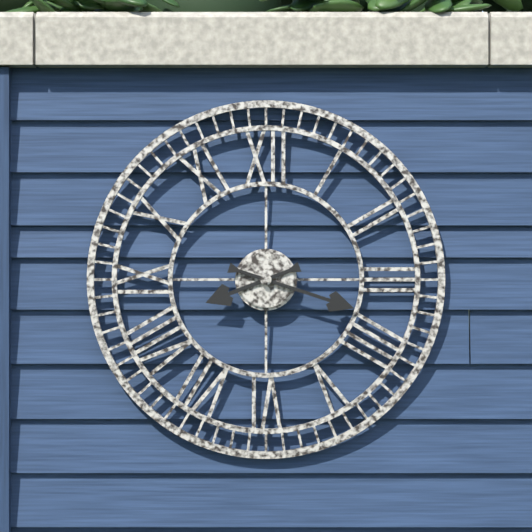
8:18
